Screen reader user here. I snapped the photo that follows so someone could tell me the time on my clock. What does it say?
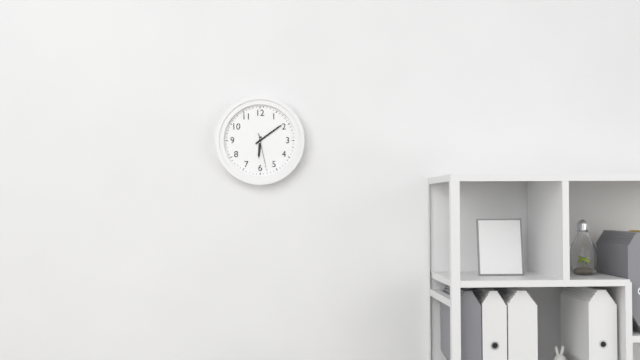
6:09
